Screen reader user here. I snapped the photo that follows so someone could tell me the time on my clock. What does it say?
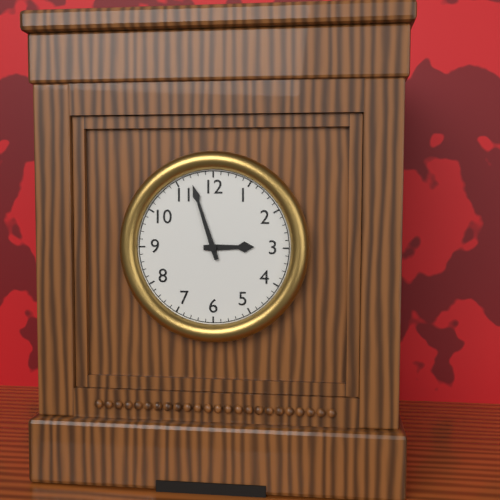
2:57
